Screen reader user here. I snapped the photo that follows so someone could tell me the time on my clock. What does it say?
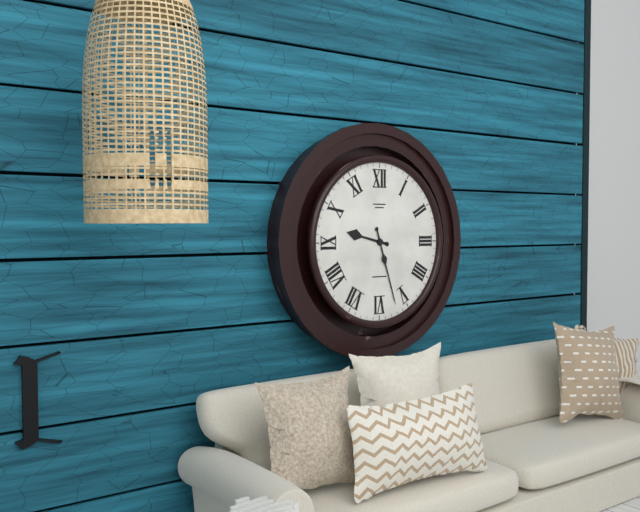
9:27
